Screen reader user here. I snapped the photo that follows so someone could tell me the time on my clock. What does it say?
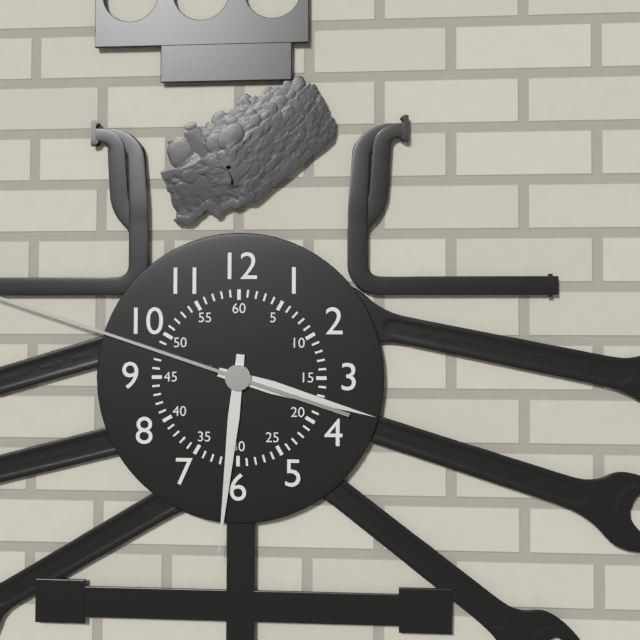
3:31
